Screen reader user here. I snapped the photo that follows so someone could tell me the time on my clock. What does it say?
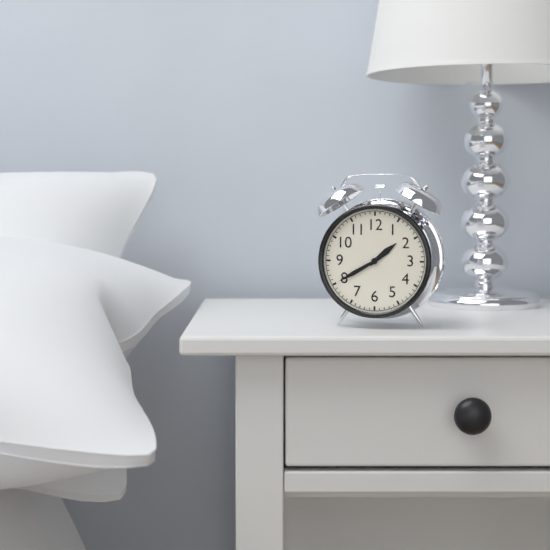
1:40
